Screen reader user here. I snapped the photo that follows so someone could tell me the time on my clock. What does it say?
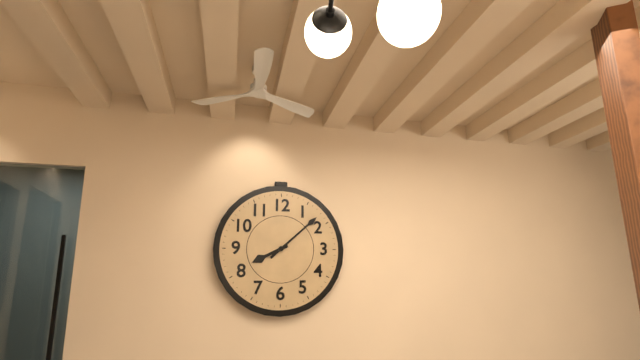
8:08
